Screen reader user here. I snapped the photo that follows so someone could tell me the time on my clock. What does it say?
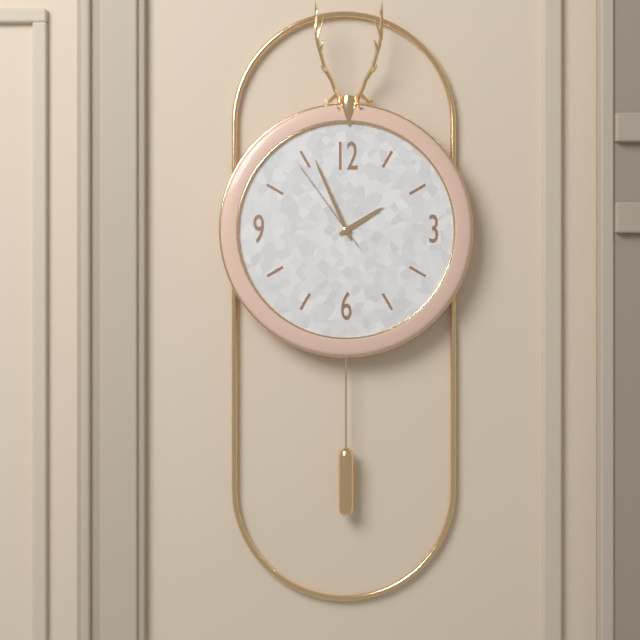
1:56:54
